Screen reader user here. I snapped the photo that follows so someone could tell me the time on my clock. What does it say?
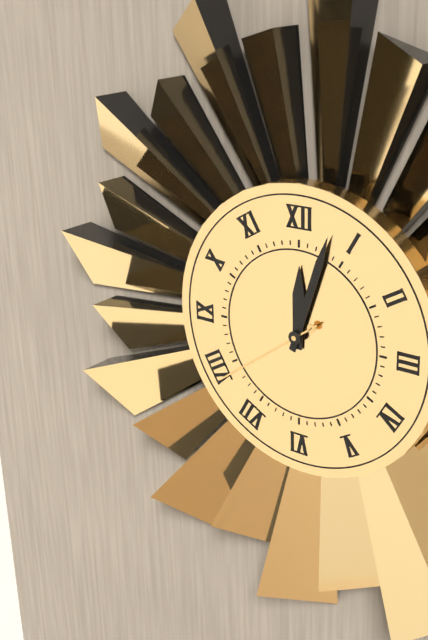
12:03:39
